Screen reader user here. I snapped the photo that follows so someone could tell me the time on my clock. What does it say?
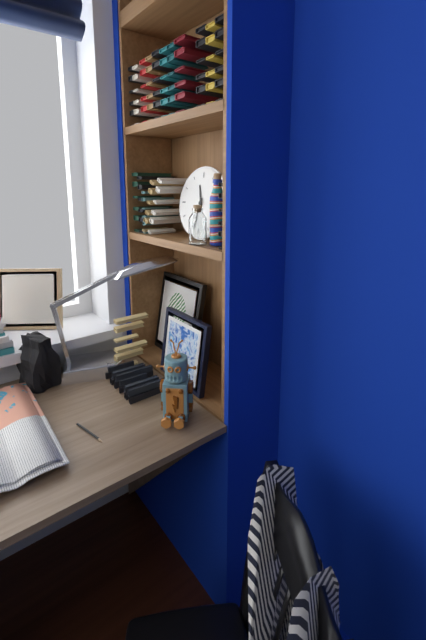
11:33
